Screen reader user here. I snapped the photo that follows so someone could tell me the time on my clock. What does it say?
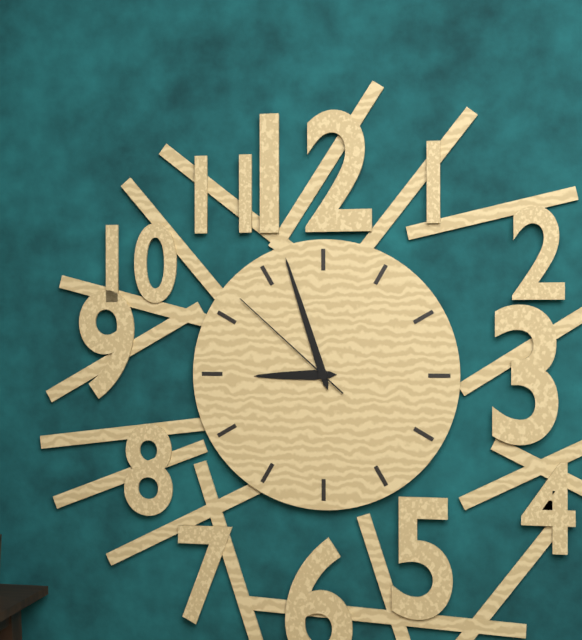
8:57:52
